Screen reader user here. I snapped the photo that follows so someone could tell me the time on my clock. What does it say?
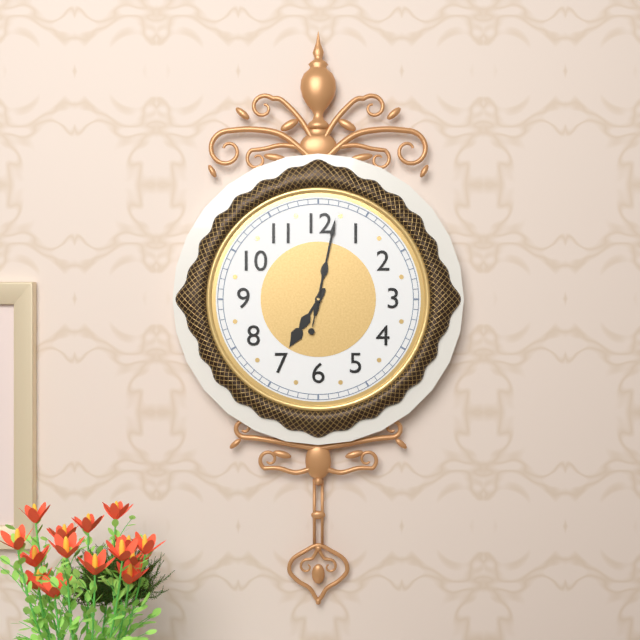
7:02:02
